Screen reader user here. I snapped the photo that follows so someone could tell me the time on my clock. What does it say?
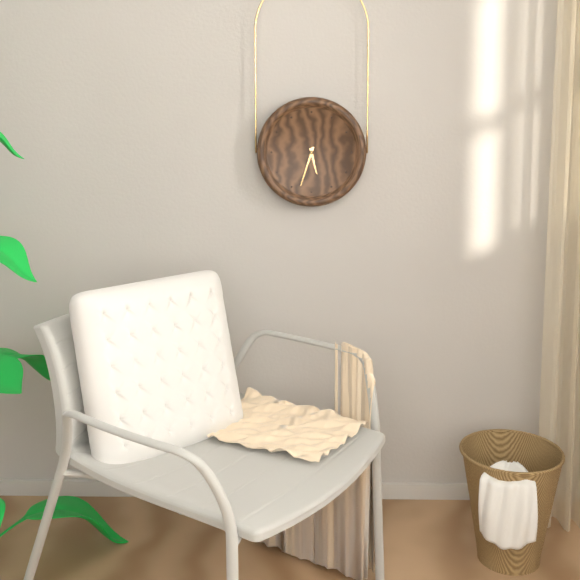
5:33
